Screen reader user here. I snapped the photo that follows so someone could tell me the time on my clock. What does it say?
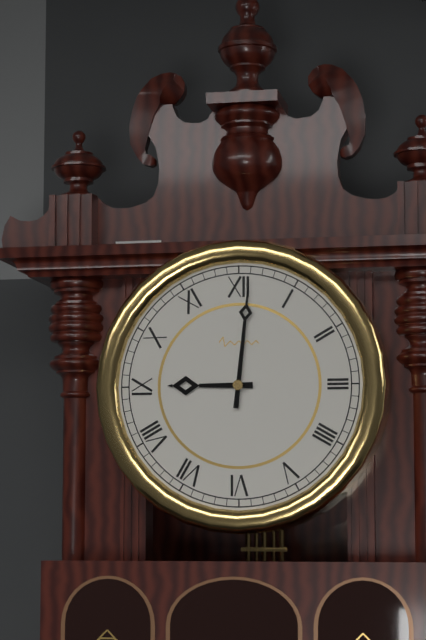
9:01
